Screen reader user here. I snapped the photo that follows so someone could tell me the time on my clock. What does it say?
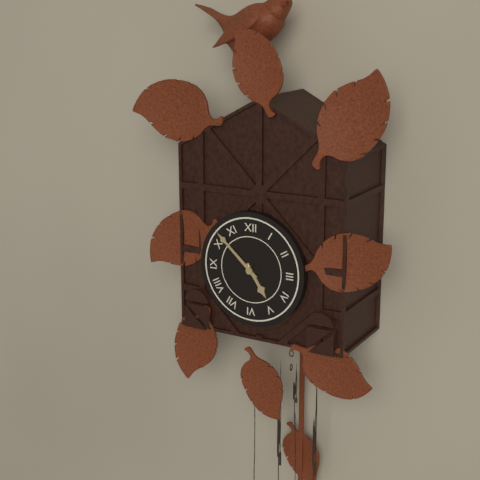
4:52
